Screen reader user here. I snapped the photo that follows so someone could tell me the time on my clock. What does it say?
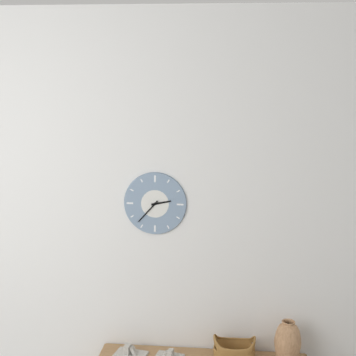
2:37
